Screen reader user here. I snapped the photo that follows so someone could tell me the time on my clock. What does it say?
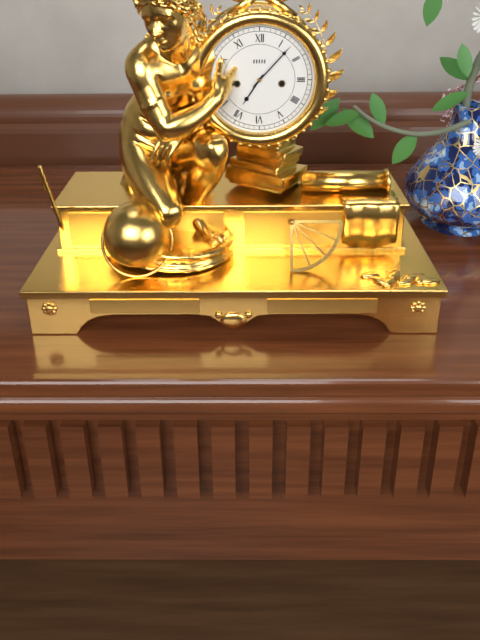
7:07
